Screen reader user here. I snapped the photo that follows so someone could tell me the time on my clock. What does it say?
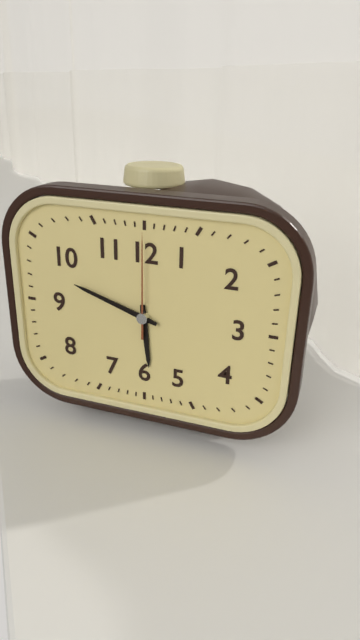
5:48:00
